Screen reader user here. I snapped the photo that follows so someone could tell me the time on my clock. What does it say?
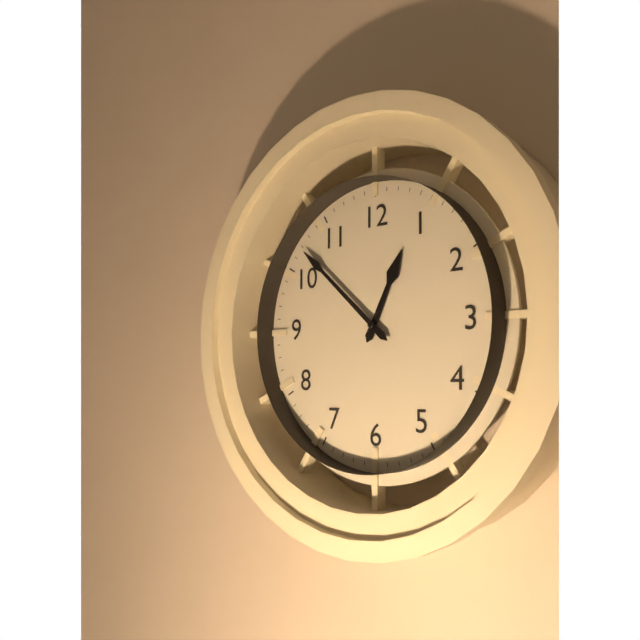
12:52
